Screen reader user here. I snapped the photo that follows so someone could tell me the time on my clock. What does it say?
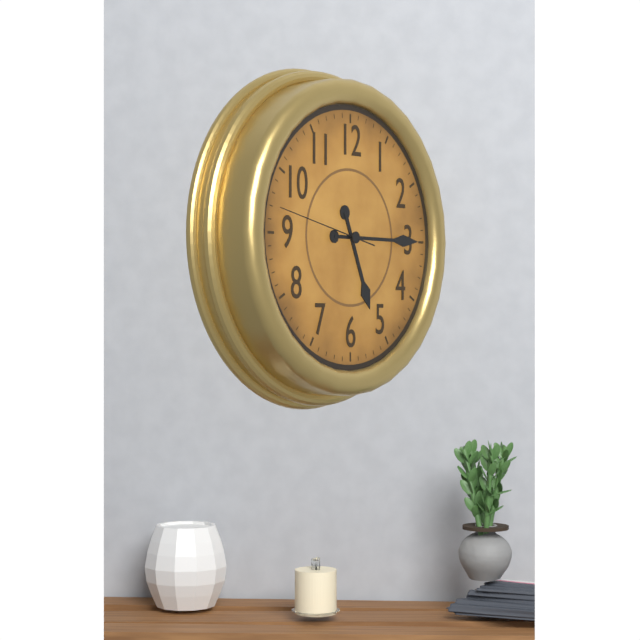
5:15:47
